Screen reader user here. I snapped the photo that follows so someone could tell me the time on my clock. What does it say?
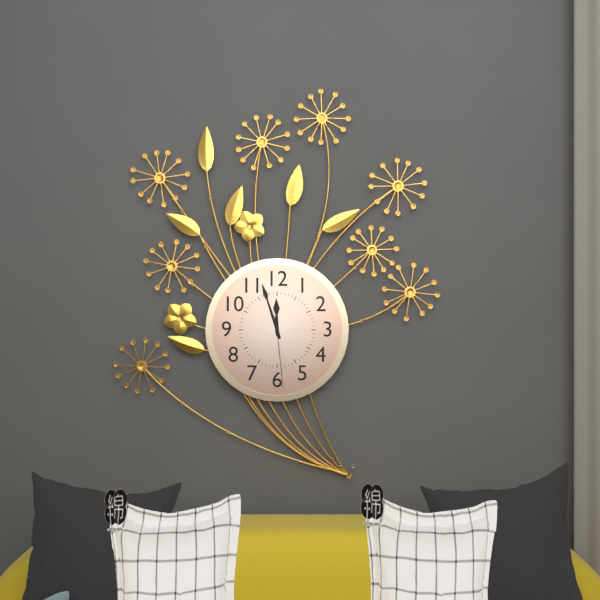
11:57:29
